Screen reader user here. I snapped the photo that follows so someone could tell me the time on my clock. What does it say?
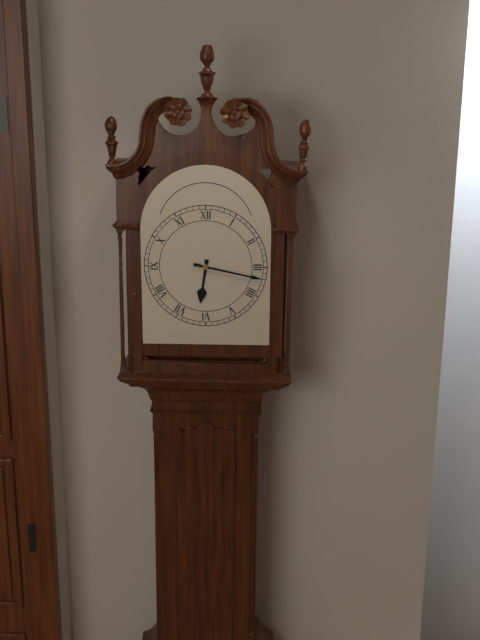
6:17
